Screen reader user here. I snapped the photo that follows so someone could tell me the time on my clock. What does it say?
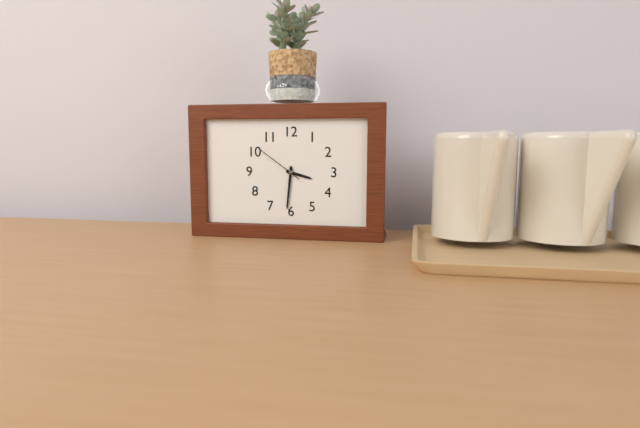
3:31:51
